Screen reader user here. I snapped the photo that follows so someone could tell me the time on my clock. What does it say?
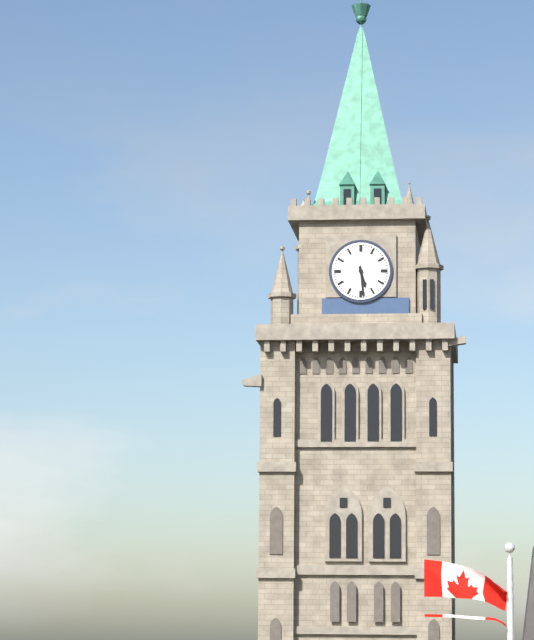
5:29
